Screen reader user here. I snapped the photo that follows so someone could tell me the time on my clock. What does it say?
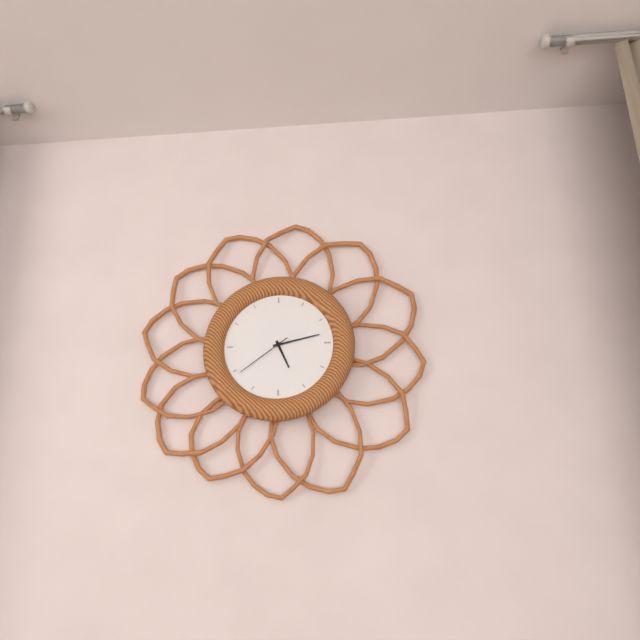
5:13:39
